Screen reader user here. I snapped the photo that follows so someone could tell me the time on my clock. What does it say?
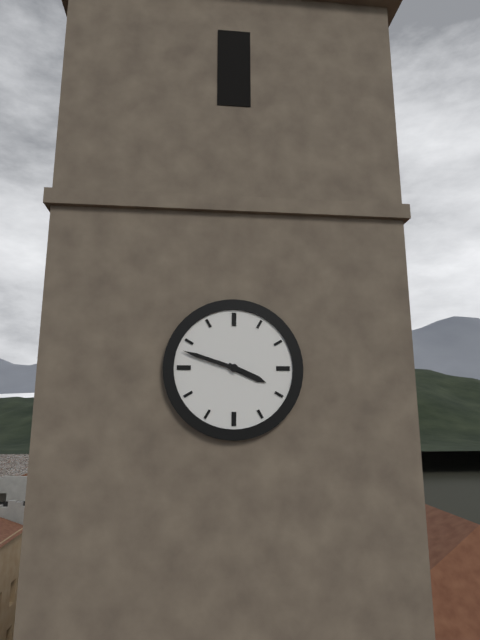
3:48
